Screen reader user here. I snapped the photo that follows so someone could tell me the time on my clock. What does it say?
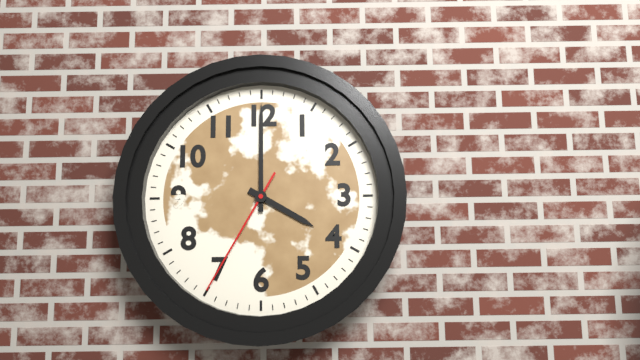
4:00:35
